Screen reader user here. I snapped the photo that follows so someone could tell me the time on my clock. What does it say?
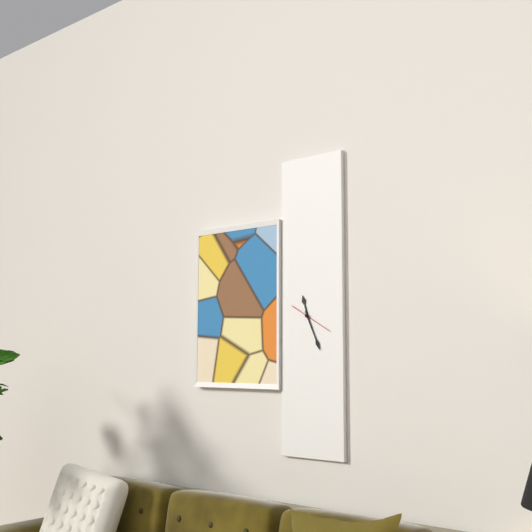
11:26
